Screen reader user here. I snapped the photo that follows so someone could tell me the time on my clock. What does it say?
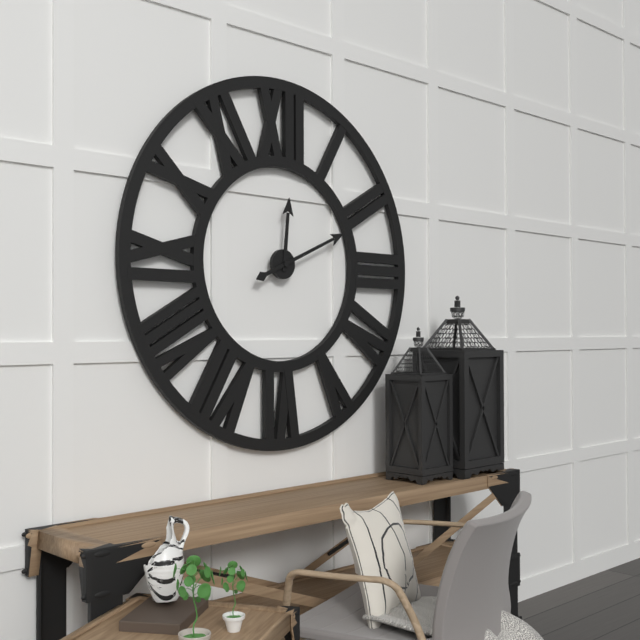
12:11
